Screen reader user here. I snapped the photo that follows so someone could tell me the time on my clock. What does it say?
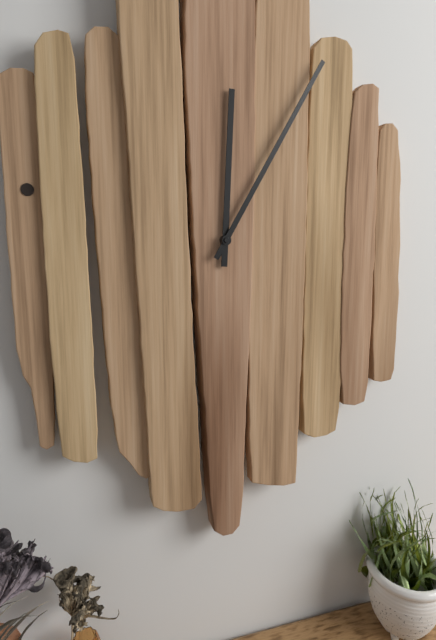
12:05
